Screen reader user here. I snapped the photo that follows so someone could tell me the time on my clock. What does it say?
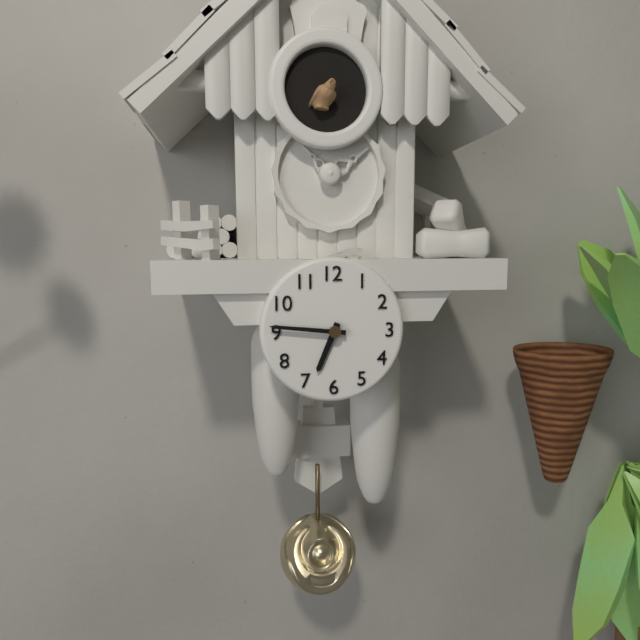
6:46
